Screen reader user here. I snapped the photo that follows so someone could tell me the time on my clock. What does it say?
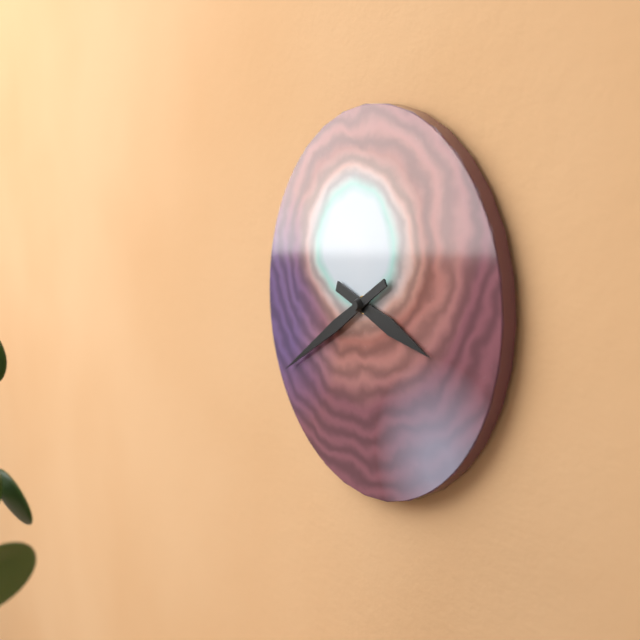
3:40
